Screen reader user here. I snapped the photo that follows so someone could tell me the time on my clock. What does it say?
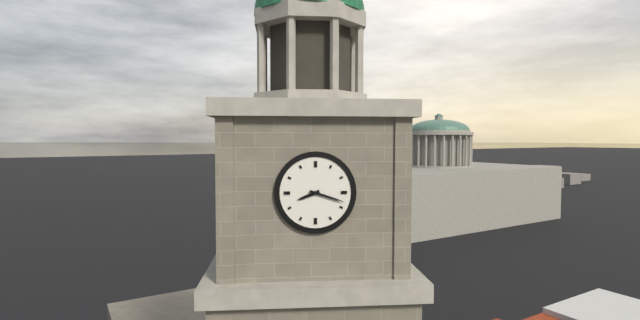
8:18
